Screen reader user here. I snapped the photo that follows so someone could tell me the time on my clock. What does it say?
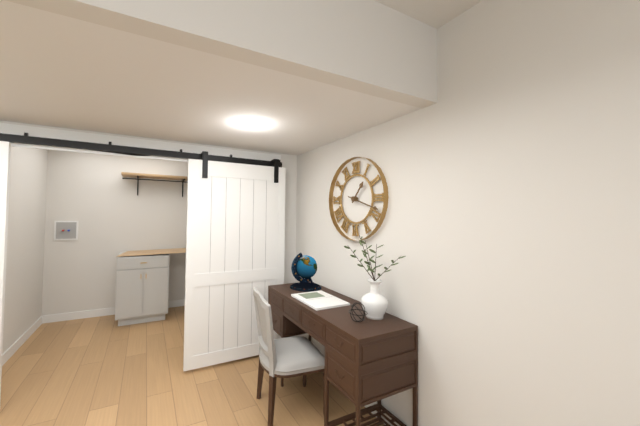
1:18
